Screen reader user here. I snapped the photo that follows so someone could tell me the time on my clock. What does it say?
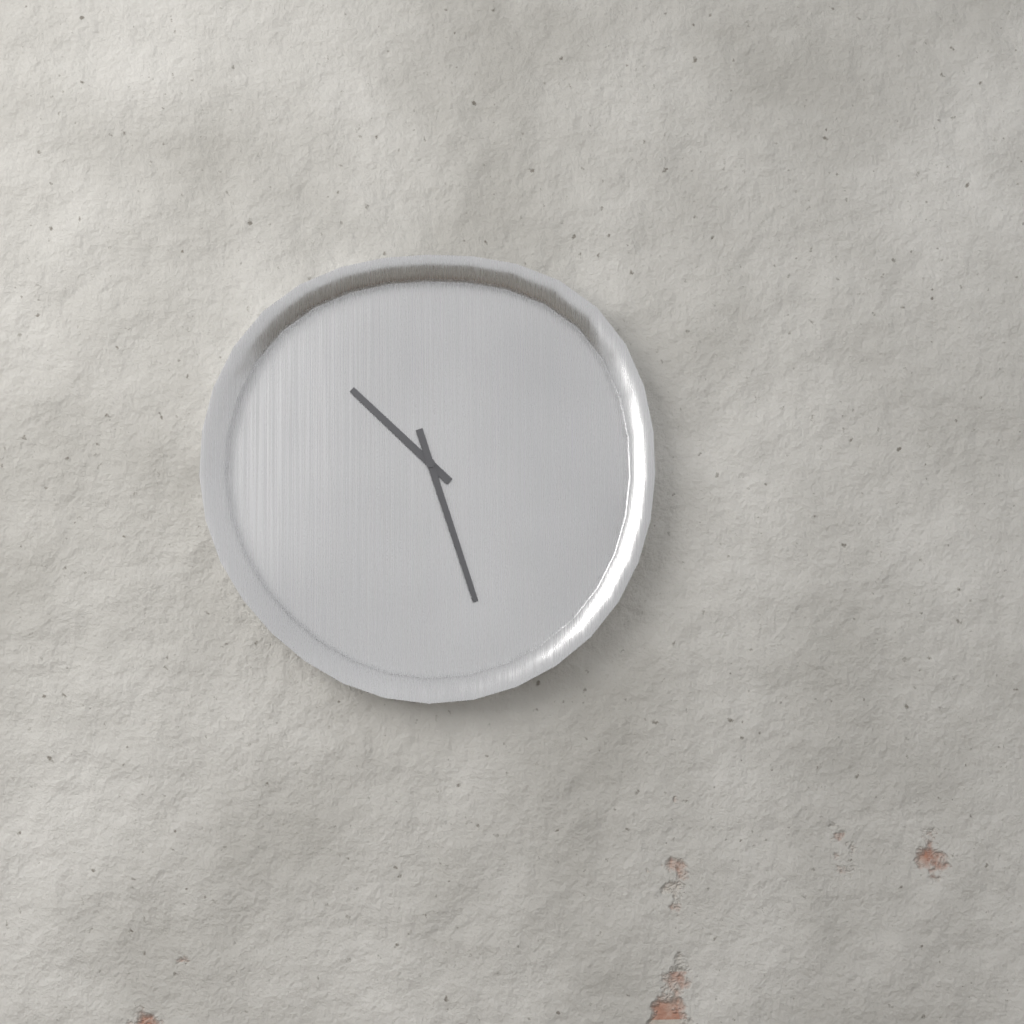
10:27
